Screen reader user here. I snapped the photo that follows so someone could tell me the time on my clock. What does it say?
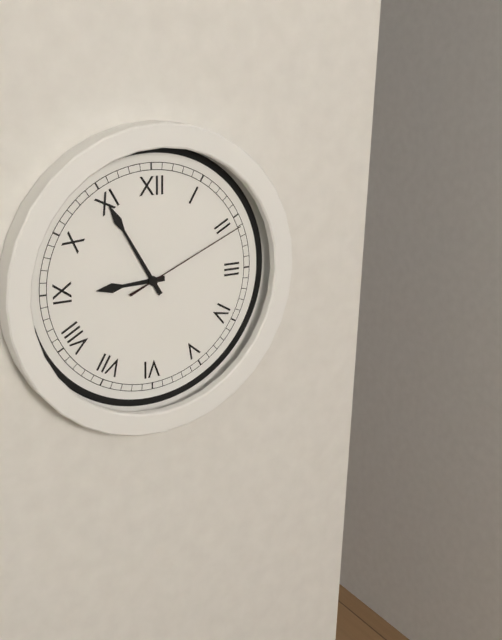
8:55:11
